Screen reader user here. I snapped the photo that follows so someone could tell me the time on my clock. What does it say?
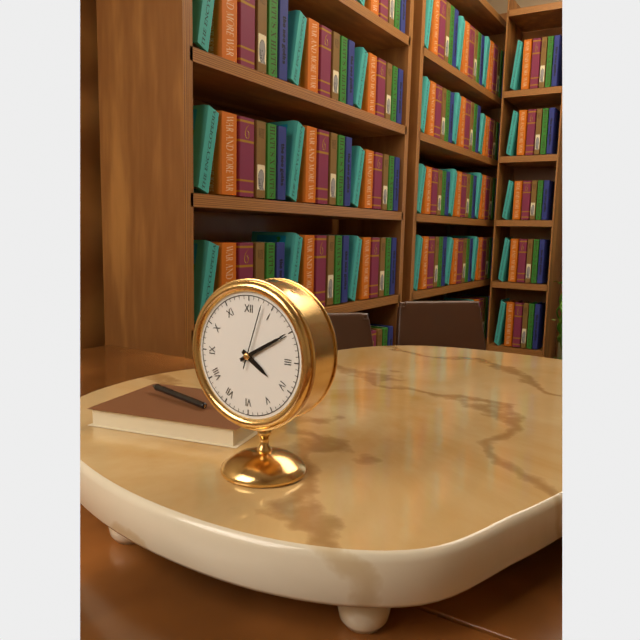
4:10:03
